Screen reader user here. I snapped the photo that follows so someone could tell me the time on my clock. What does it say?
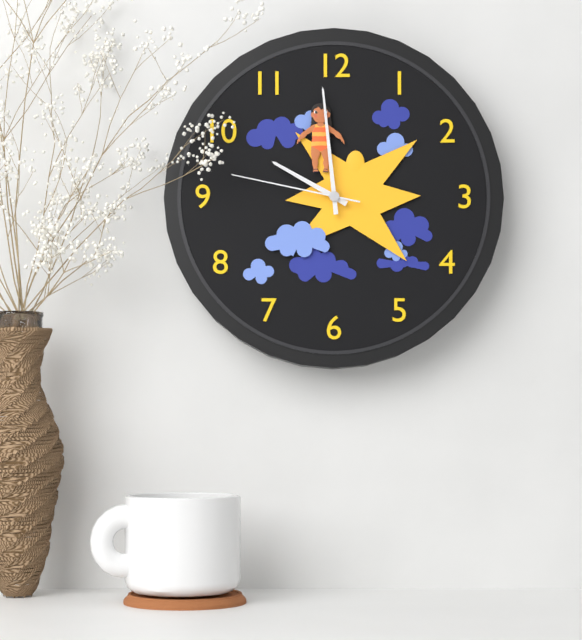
9:59:47
